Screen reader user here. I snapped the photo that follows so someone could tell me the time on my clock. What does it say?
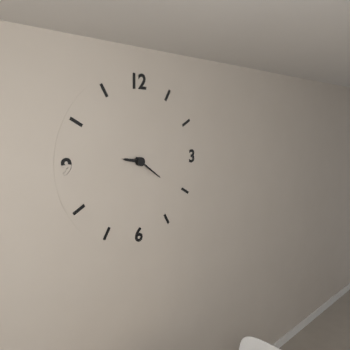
9:21
